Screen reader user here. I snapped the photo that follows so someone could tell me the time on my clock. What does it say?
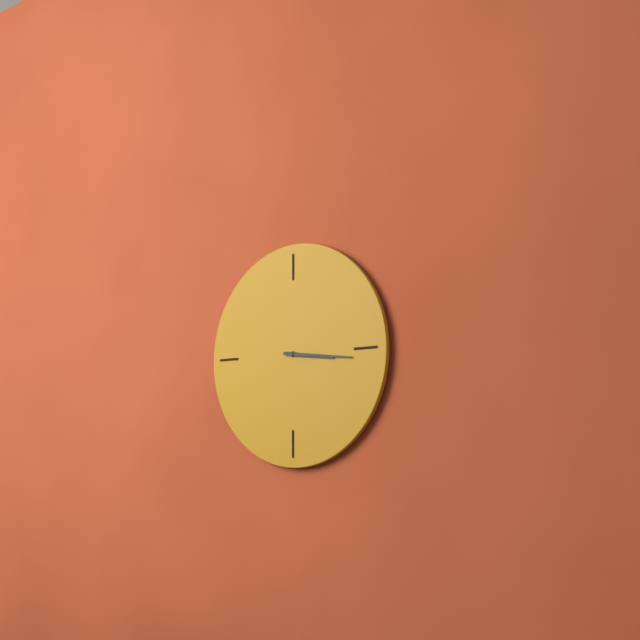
3:16
